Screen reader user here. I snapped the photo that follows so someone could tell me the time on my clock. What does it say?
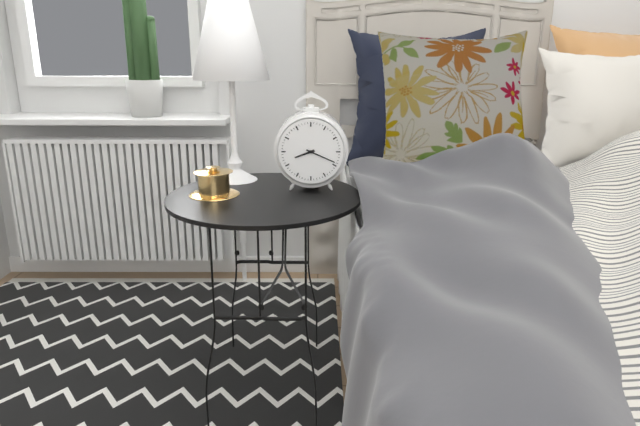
8:19
